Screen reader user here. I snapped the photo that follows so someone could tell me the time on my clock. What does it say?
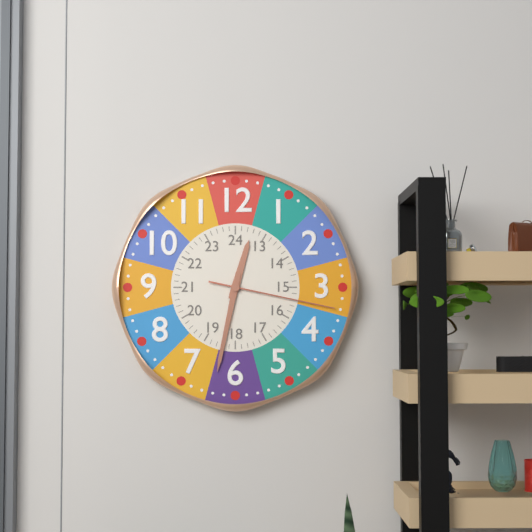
12:32:17
